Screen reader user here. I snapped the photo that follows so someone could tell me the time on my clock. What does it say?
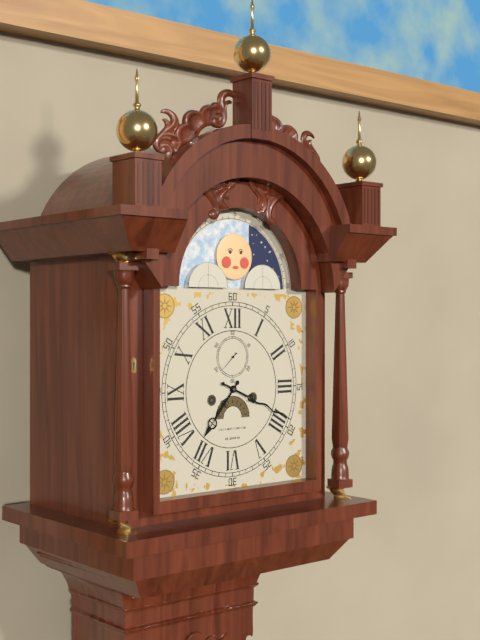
7:19
